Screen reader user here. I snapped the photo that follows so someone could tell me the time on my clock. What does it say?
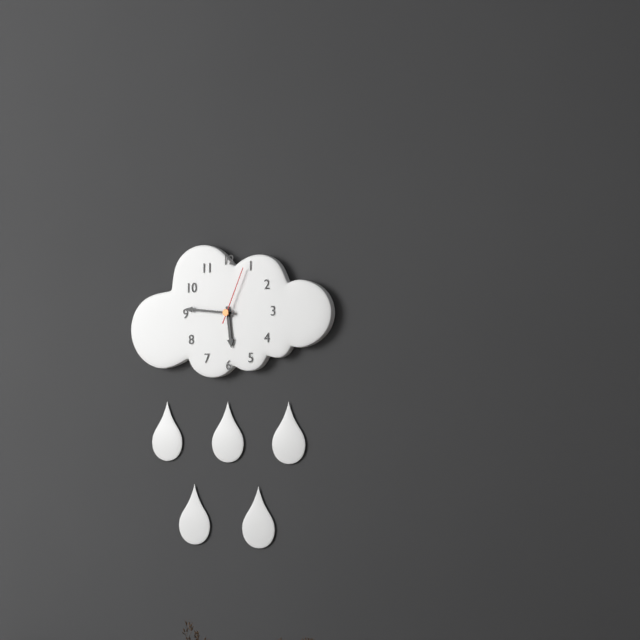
5:46:04
